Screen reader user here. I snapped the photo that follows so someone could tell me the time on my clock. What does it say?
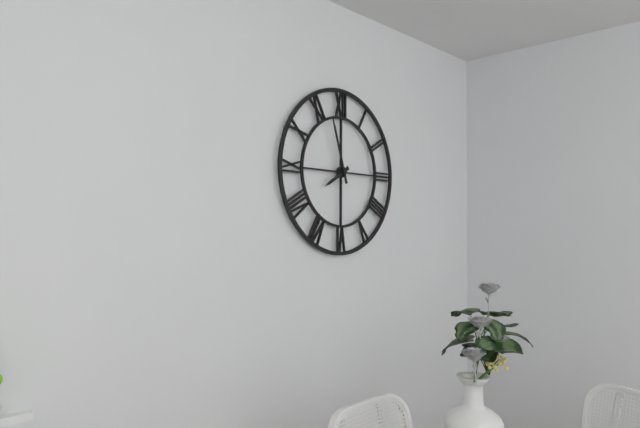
7:57
